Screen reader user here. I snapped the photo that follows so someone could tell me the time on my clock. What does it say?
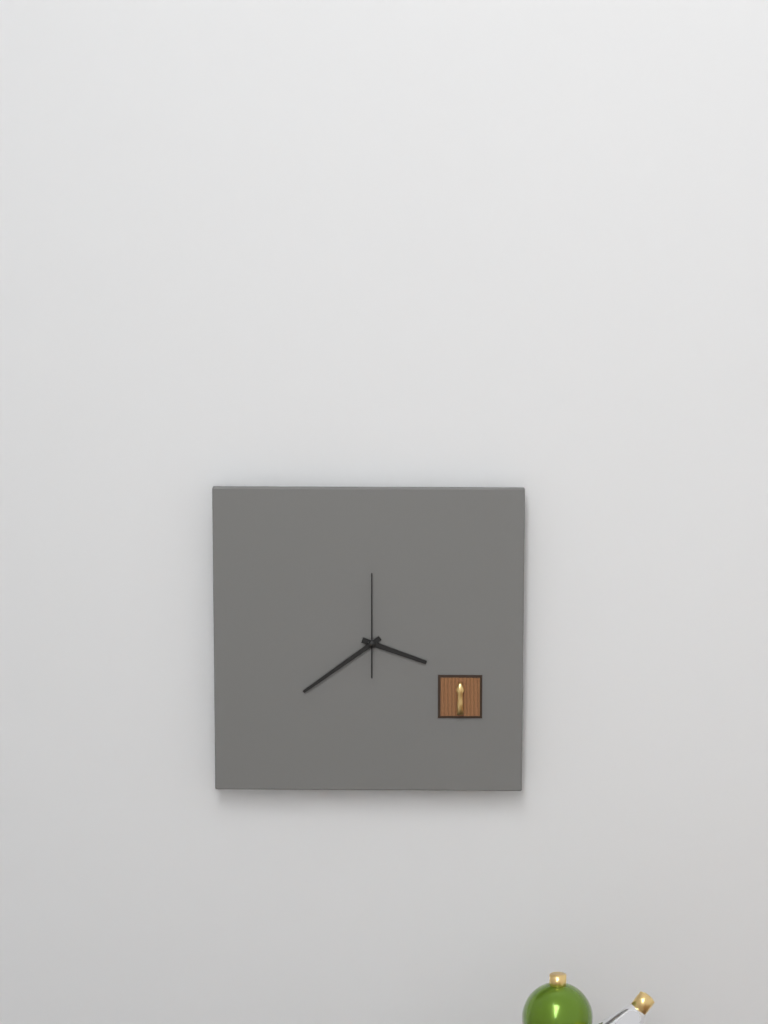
3:39:00
